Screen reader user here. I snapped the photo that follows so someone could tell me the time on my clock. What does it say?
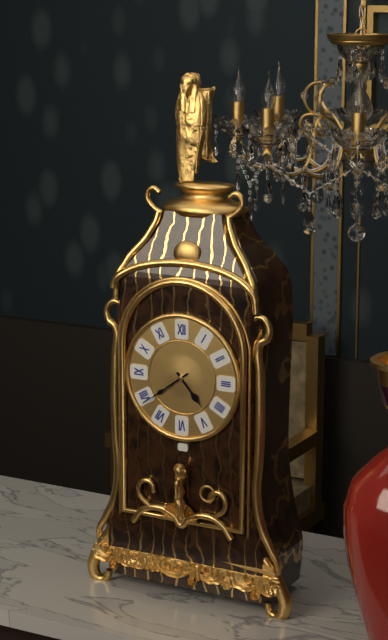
4:39
